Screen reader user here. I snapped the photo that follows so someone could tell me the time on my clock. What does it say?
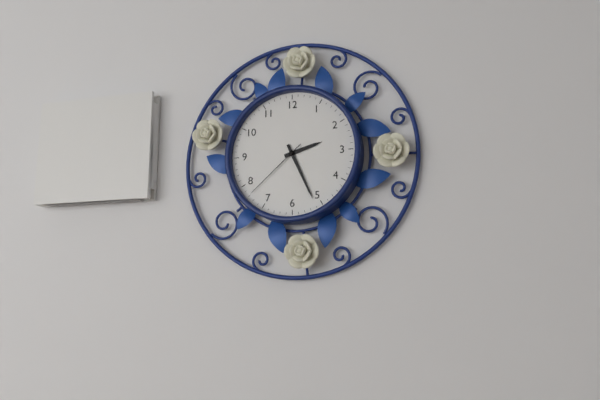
2:26:38
